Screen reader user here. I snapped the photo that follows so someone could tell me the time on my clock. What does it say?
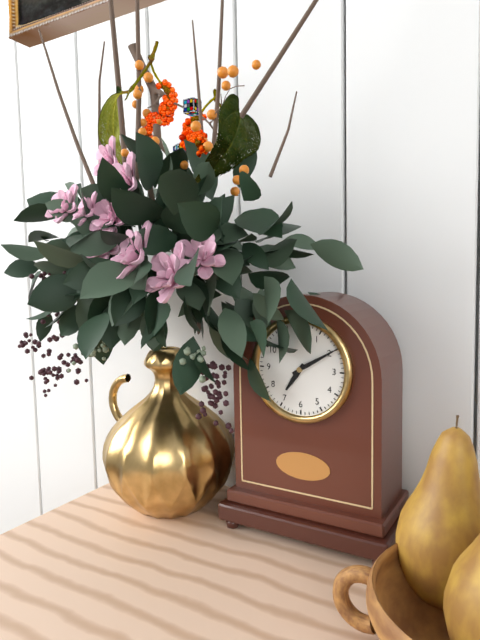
7:10
